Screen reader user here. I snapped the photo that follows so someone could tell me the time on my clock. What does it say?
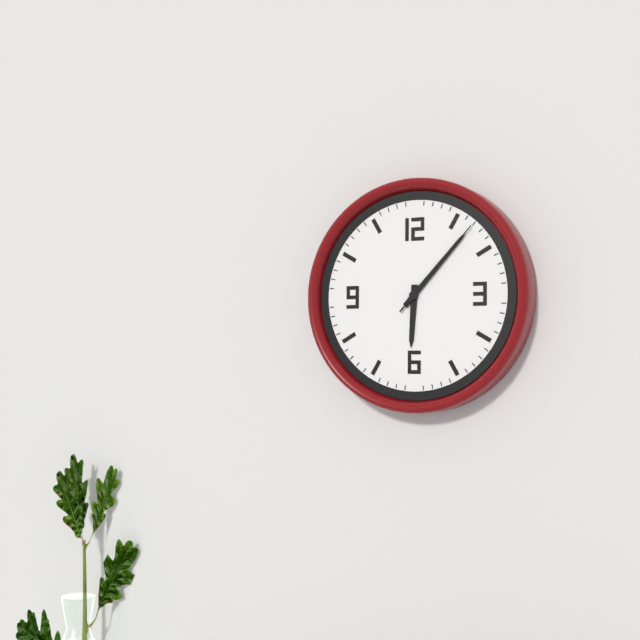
6:07:07
